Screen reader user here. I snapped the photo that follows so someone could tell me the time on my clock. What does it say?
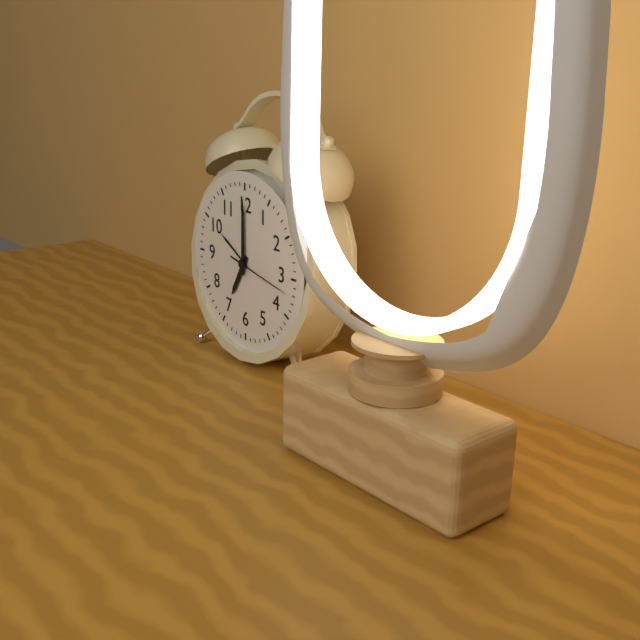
7:00:17
